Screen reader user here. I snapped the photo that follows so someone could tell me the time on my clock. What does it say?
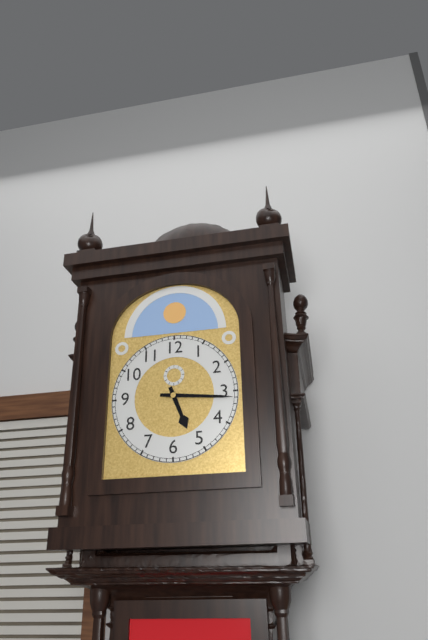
5:16
